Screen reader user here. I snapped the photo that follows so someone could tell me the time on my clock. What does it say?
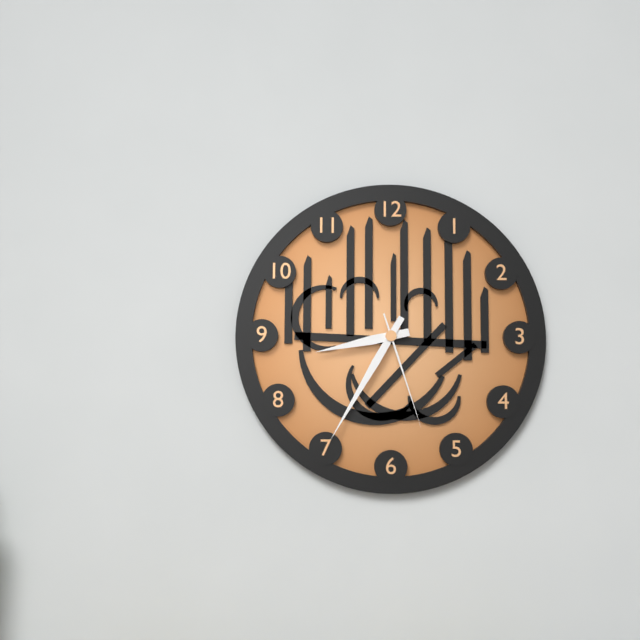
8:35:27
